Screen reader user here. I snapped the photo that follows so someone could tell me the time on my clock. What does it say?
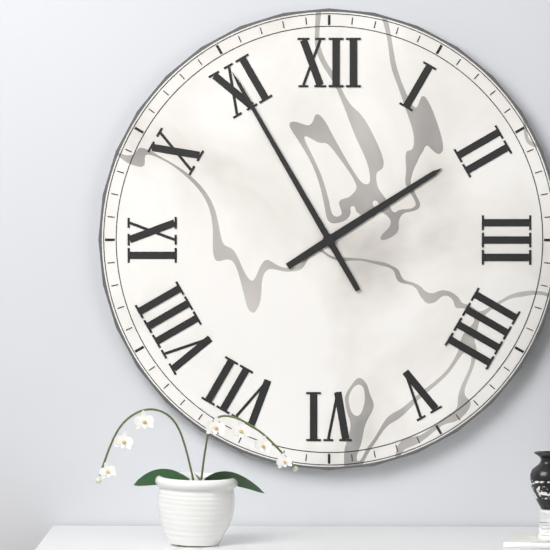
1:55
